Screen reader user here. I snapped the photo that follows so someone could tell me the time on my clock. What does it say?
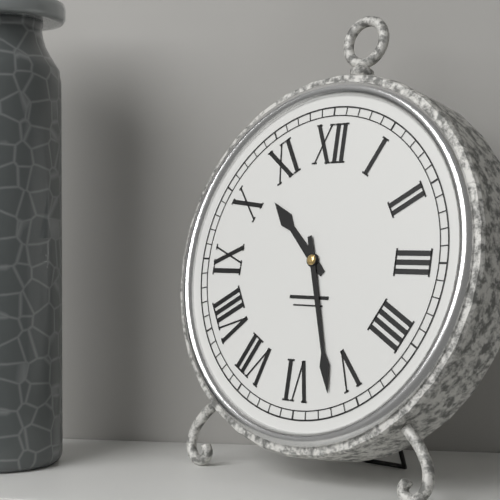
10:27
